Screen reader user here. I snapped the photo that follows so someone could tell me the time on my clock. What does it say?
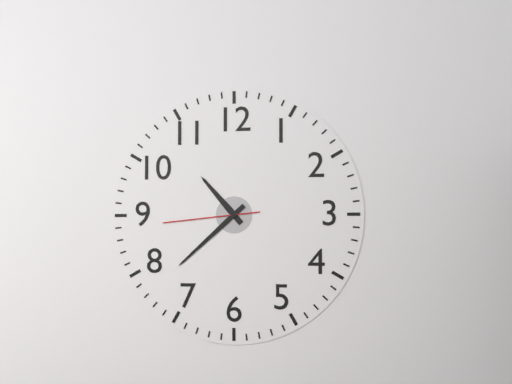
10:38:44
